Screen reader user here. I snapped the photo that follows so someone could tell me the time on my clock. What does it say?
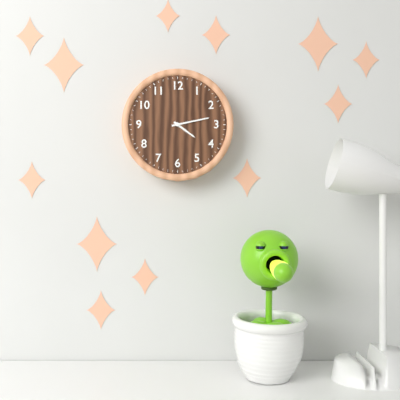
4:13
